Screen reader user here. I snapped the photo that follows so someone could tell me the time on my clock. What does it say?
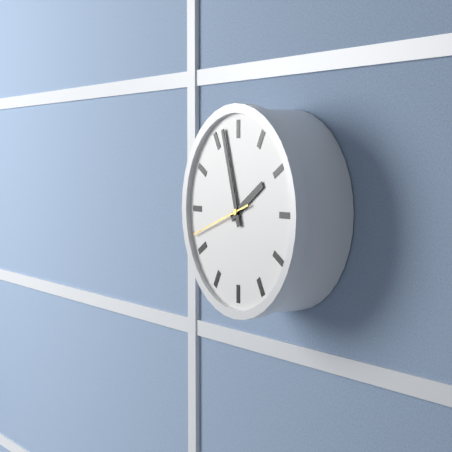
1:57:42
